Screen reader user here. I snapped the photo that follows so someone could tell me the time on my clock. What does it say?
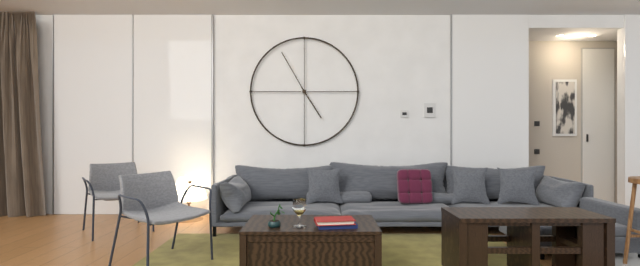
4:55
